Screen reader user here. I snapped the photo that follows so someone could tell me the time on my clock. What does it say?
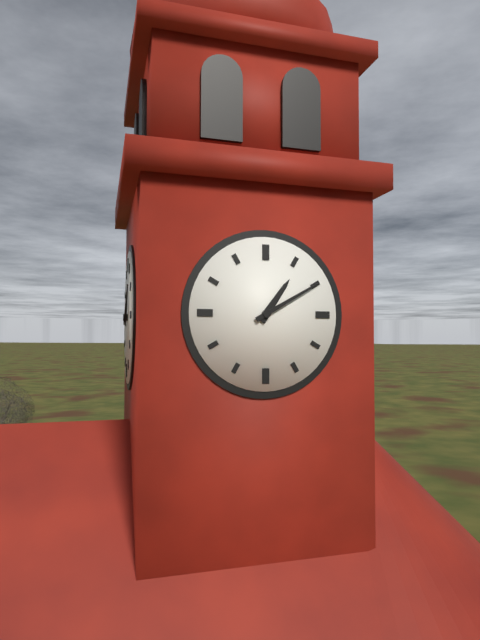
1:10
